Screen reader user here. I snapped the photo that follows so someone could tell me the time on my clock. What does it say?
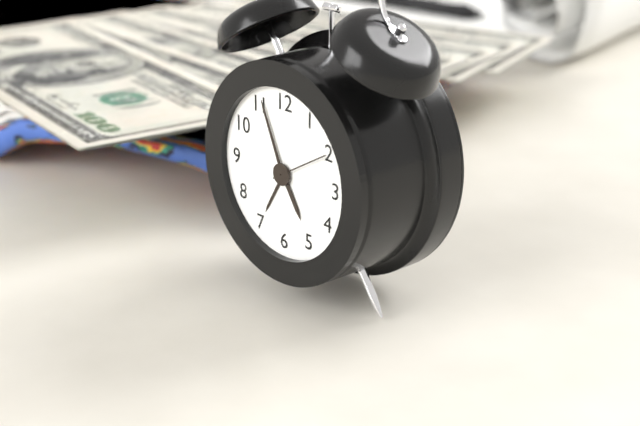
4:56:10
